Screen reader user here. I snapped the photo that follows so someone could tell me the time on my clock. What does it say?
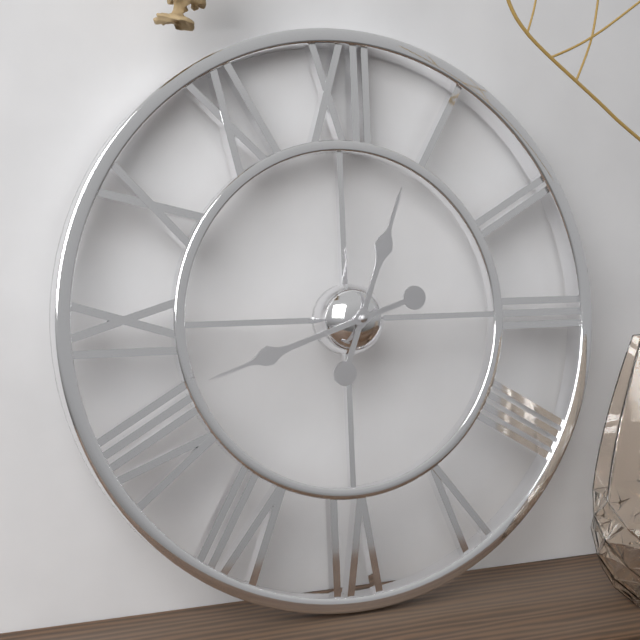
12:42
